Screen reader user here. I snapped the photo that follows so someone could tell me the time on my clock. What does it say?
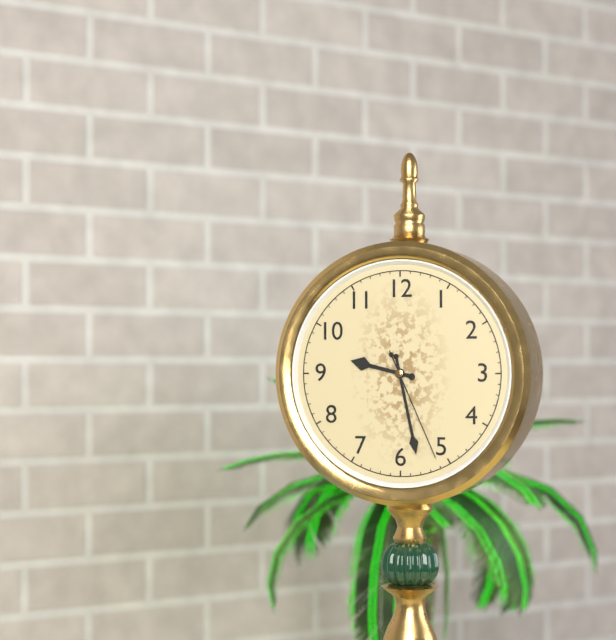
9:28:26
